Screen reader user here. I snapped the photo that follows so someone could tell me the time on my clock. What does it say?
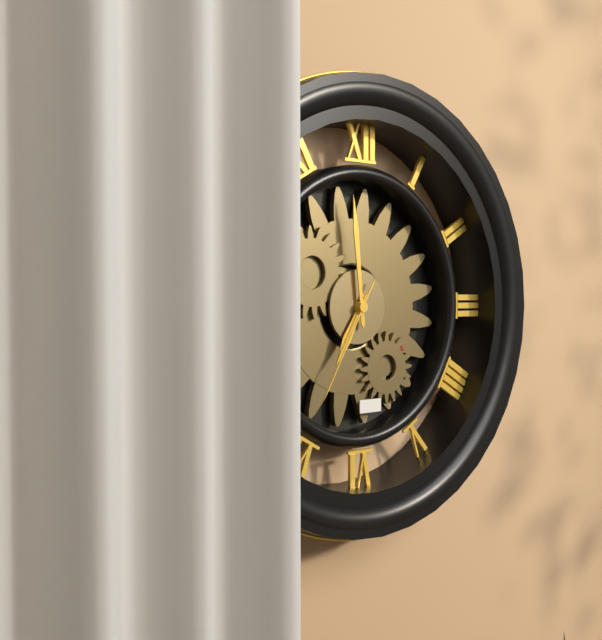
6:59:35
